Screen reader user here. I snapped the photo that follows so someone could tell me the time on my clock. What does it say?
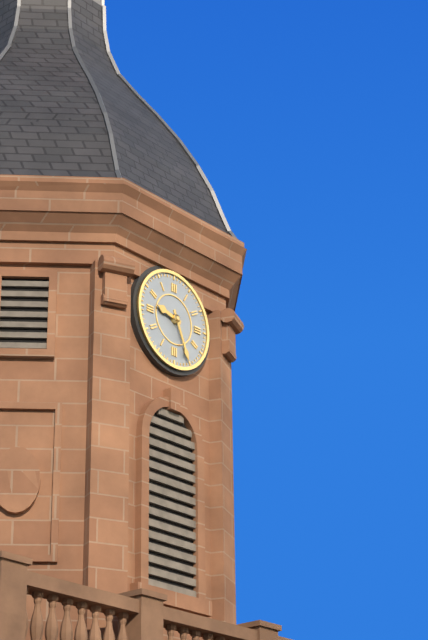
9:26
